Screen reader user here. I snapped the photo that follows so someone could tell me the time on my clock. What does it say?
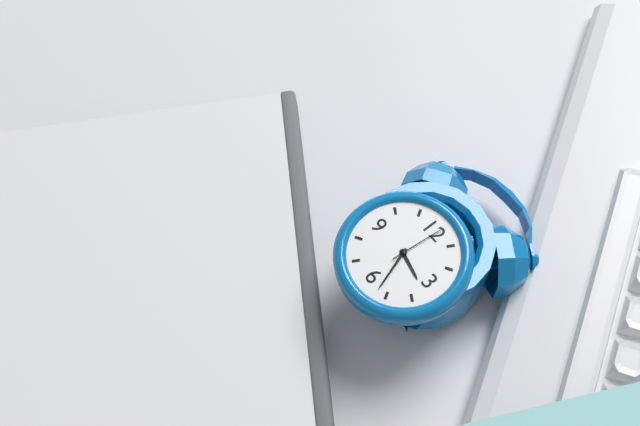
3:27:01
